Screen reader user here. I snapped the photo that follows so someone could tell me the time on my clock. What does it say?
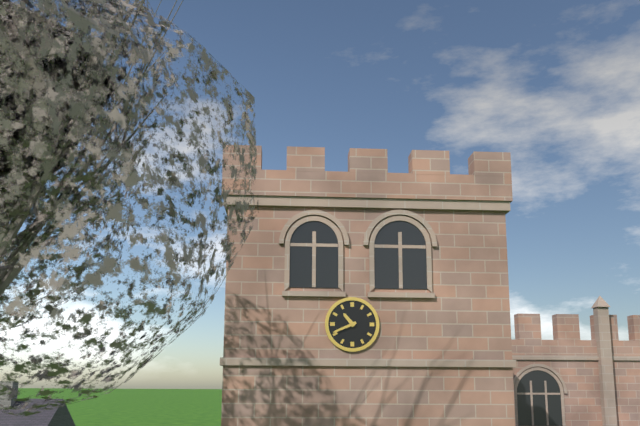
10:41
